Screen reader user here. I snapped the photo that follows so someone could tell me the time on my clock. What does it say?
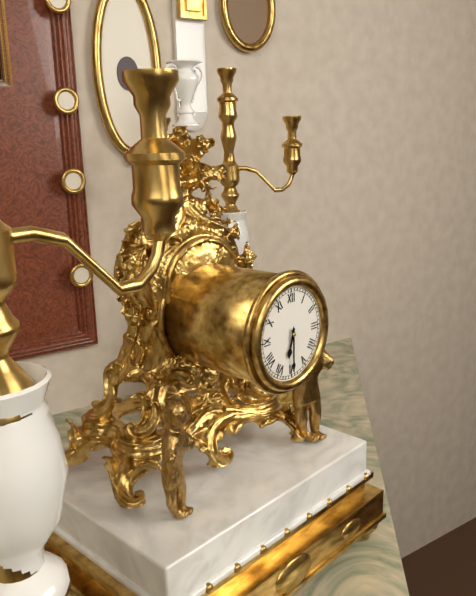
6:30
